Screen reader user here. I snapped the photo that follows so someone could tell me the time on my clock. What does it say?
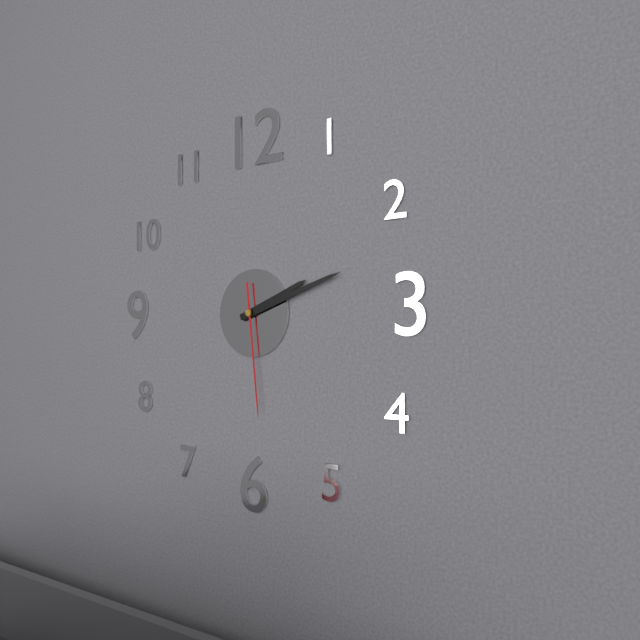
2:12:29
